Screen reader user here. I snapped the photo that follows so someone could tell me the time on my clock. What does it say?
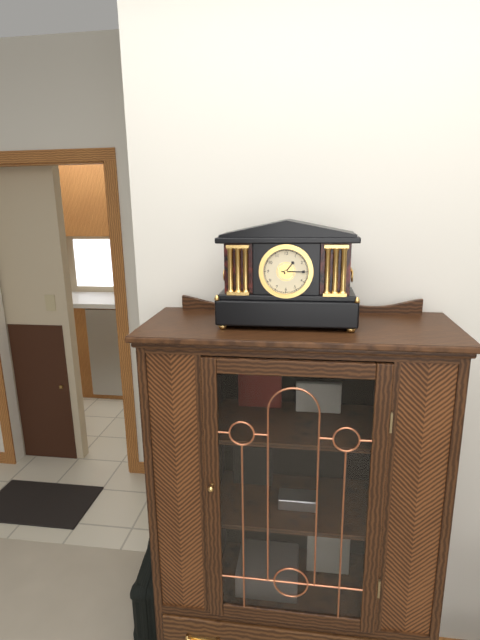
1:15
